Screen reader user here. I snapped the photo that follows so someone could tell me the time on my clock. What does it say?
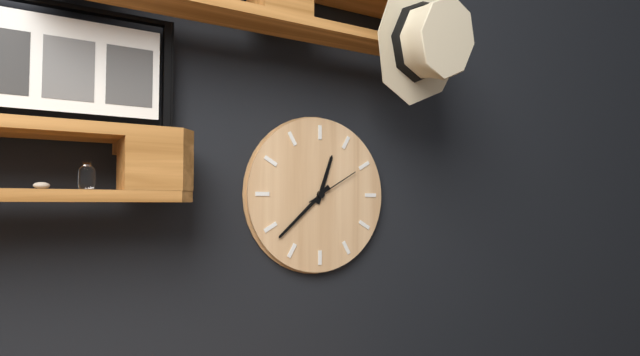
12:38:10
